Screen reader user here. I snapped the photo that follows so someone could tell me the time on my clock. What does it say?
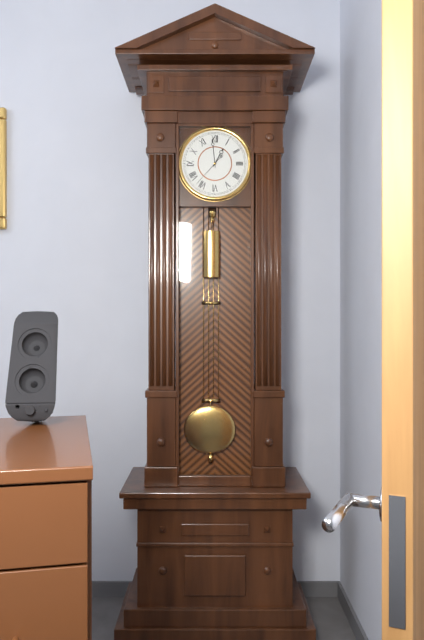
12:59
